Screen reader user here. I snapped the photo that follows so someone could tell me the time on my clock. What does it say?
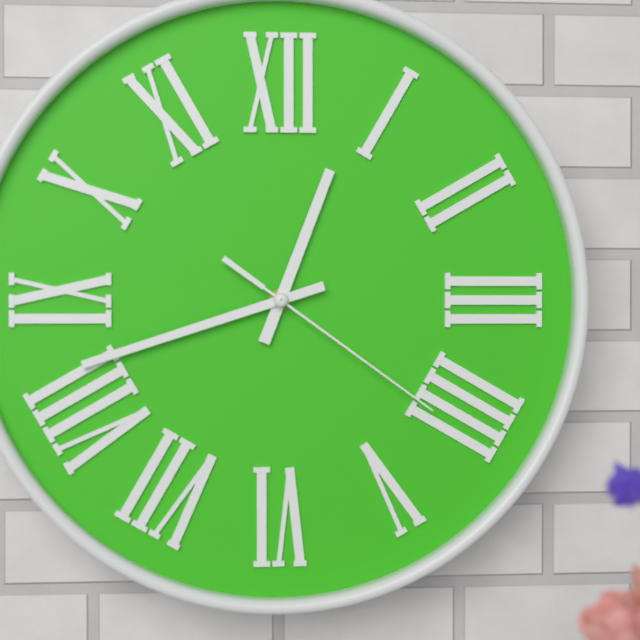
12:42:21
